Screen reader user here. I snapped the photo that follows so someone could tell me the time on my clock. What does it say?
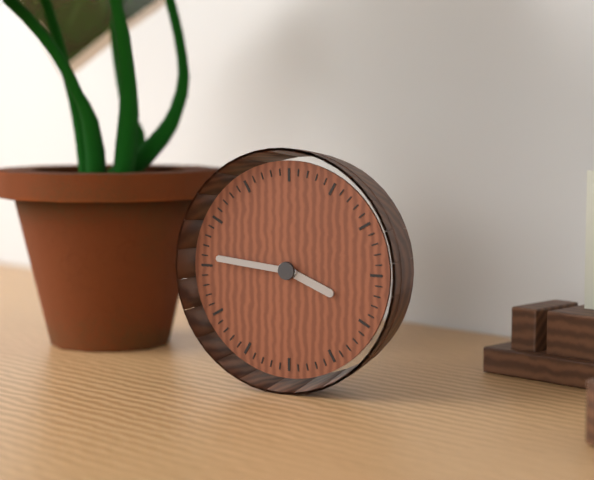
3:46
